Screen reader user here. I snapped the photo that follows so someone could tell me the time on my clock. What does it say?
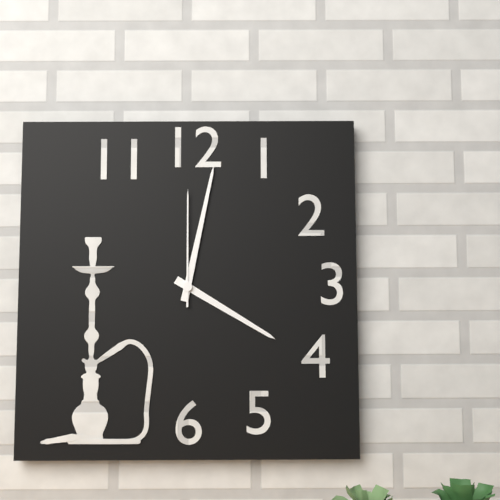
4:02:00
